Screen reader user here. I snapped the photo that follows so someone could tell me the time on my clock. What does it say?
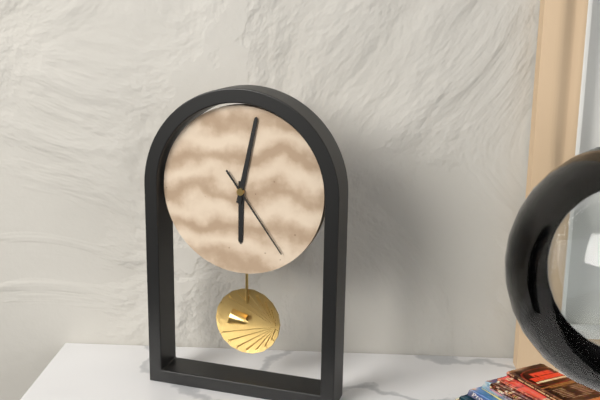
6:02:24
